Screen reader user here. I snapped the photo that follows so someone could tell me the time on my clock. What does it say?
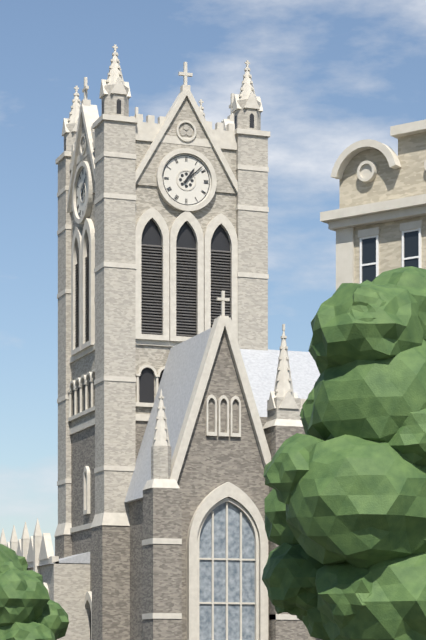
1:08
